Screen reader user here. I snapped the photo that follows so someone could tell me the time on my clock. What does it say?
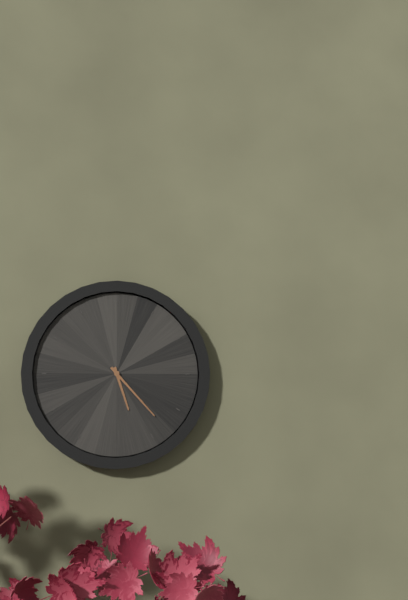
5:23
